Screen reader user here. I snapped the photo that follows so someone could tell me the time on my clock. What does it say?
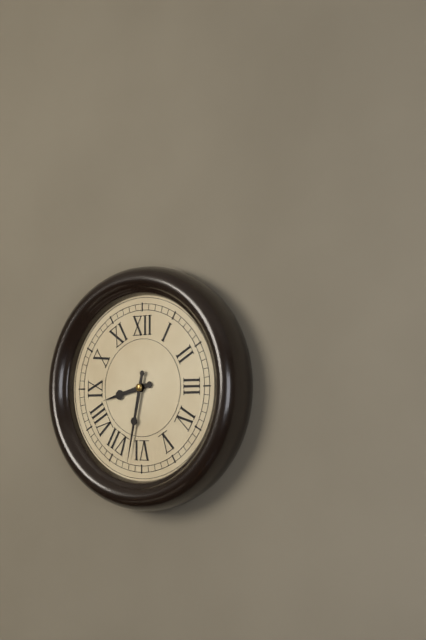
8:32
